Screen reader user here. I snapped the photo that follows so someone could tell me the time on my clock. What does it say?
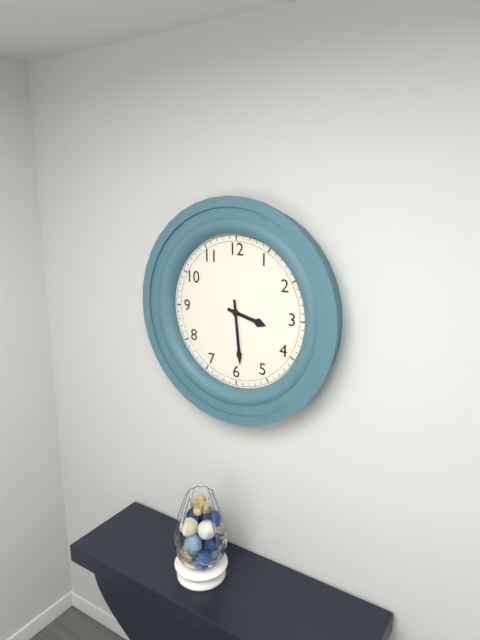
3:29
